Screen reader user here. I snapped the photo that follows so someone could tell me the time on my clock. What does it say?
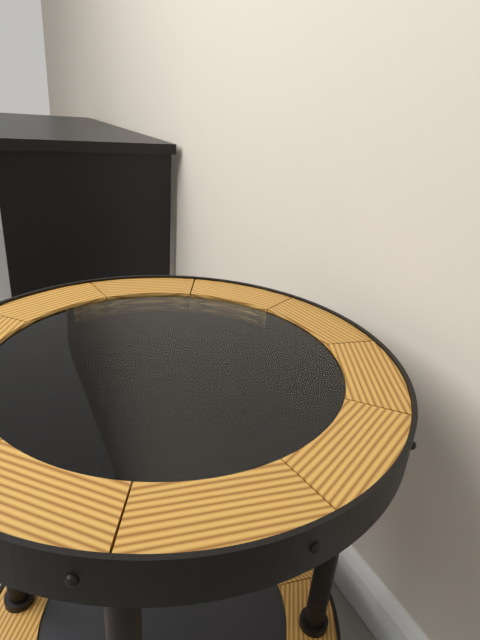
12:38
